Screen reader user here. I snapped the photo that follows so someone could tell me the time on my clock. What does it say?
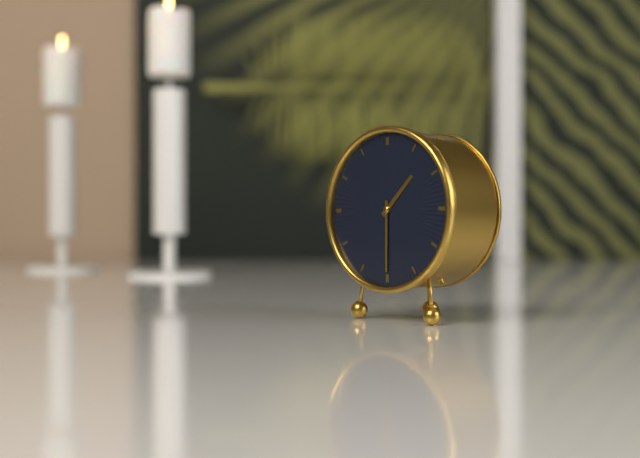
1:30
